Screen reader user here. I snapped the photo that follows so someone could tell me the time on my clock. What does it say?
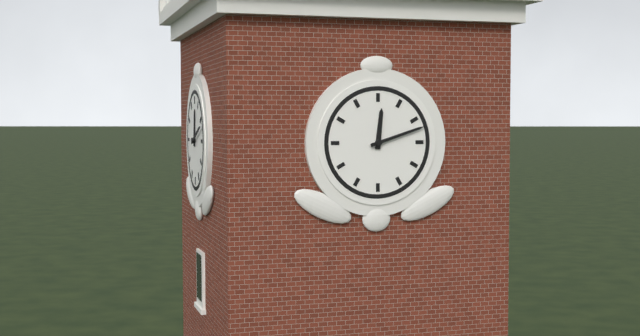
12:12
